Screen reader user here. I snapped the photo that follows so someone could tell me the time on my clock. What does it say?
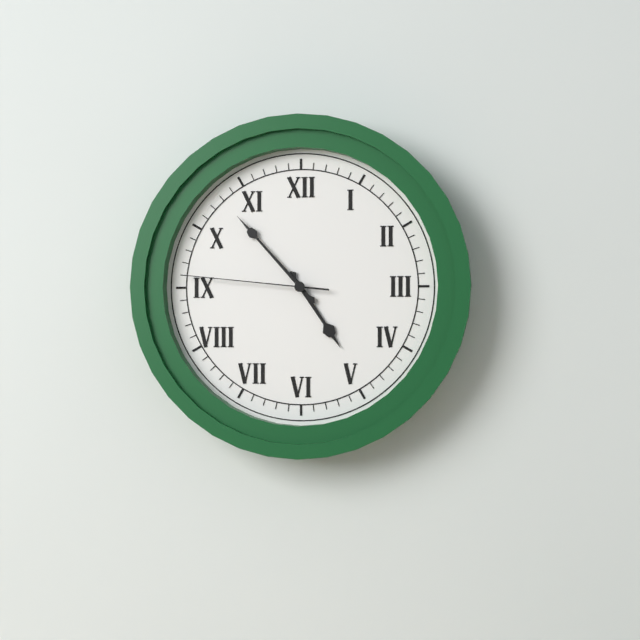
4:53:46
